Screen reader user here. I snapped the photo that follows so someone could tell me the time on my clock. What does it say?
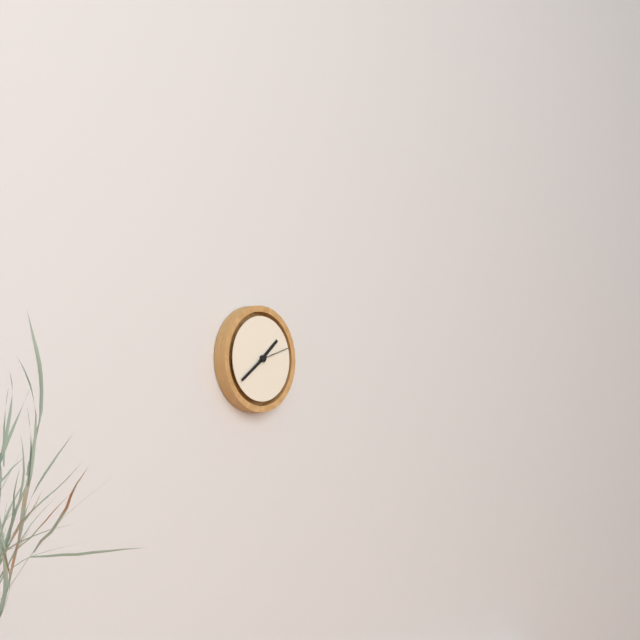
1:39
